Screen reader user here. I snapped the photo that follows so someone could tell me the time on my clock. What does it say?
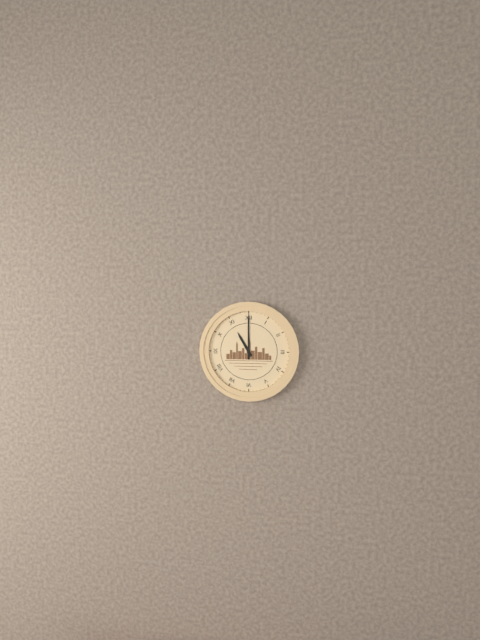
11:00
